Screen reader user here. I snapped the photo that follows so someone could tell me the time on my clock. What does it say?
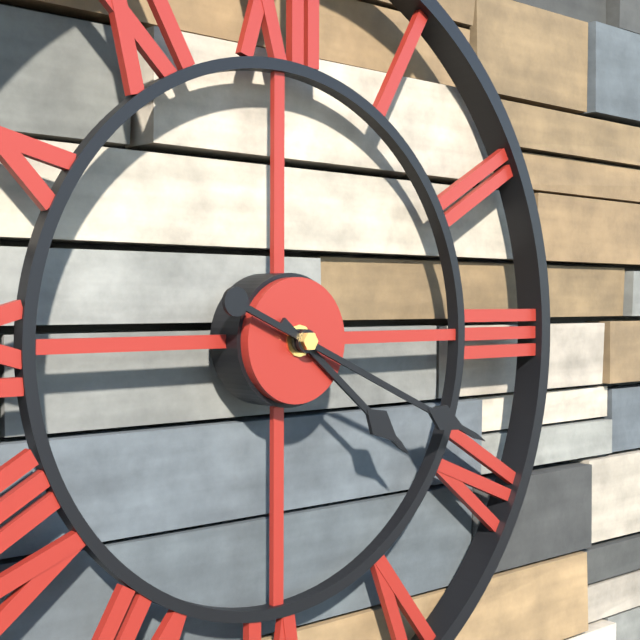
4:19
